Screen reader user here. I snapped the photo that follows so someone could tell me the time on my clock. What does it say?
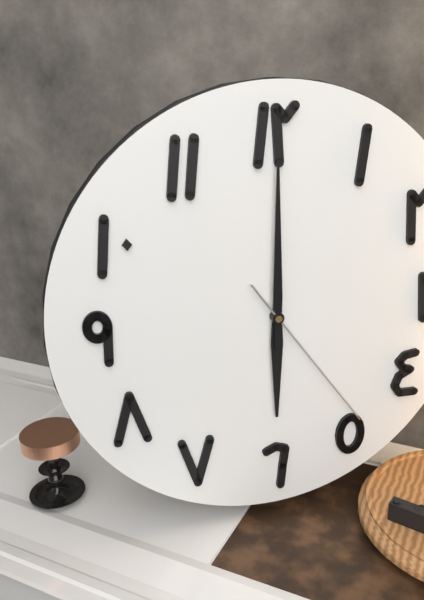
6:00:24
